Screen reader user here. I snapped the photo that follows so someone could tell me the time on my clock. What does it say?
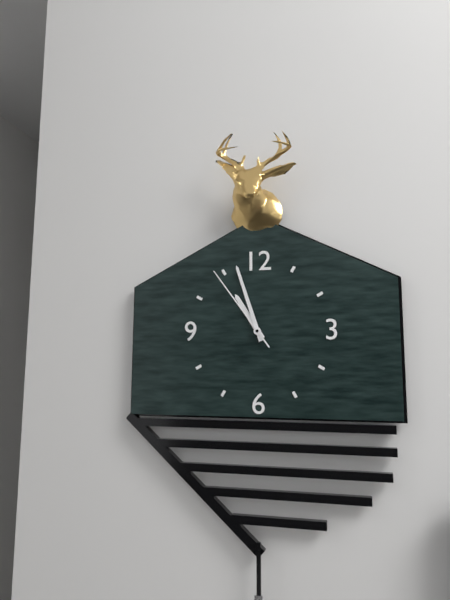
10:57:54
